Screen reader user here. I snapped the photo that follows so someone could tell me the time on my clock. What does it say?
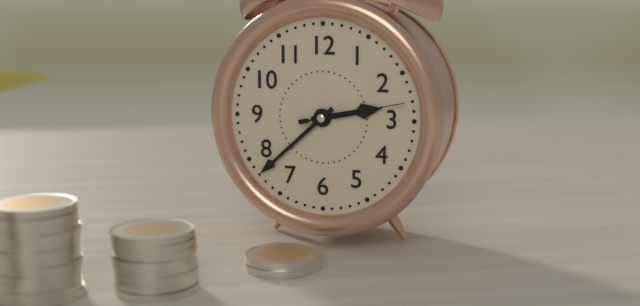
2:38:13
